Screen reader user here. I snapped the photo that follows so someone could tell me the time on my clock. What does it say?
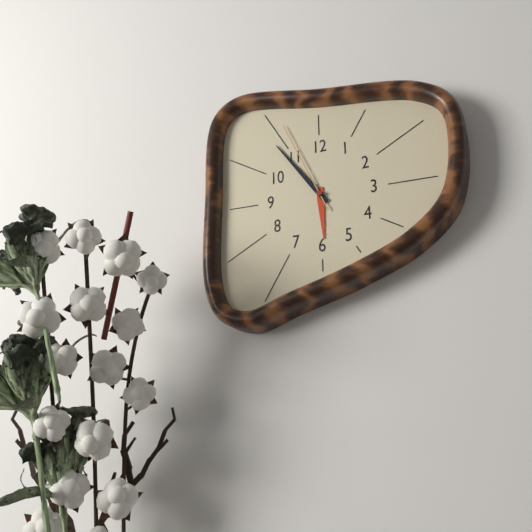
5:54:56
